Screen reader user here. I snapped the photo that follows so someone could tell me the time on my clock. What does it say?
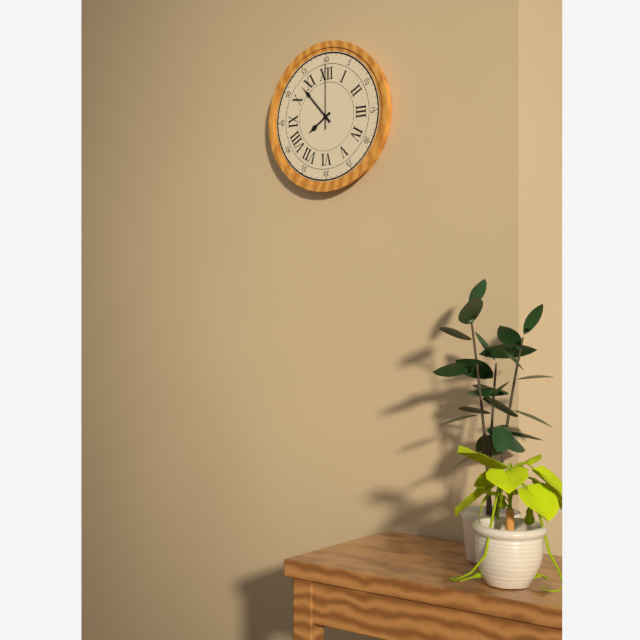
7:53:00
